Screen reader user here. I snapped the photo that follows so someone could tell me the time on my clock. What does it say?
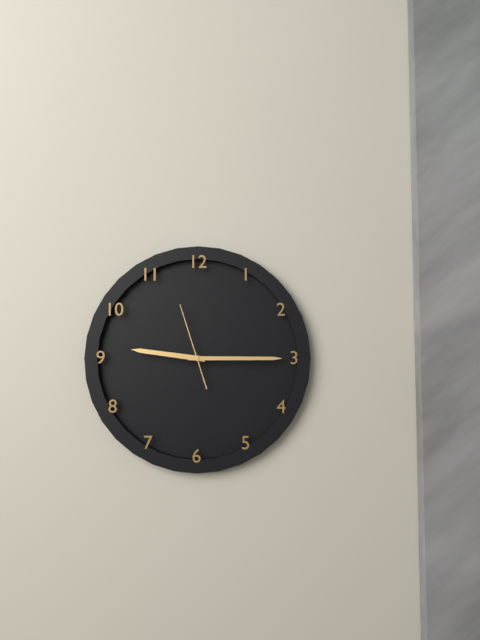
9:15:57
